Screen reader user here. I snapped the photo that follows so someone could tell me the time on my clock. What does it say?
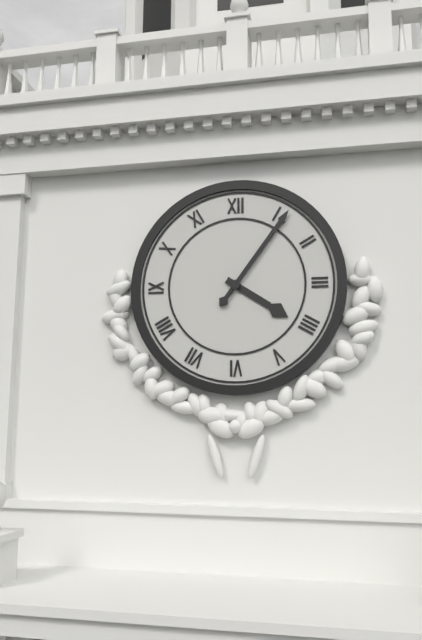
4:06
